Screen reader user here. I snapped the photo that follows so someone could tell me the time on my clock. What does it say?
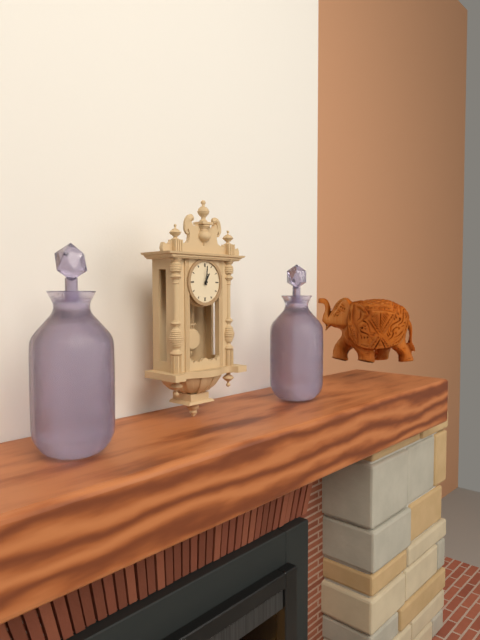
1:01
